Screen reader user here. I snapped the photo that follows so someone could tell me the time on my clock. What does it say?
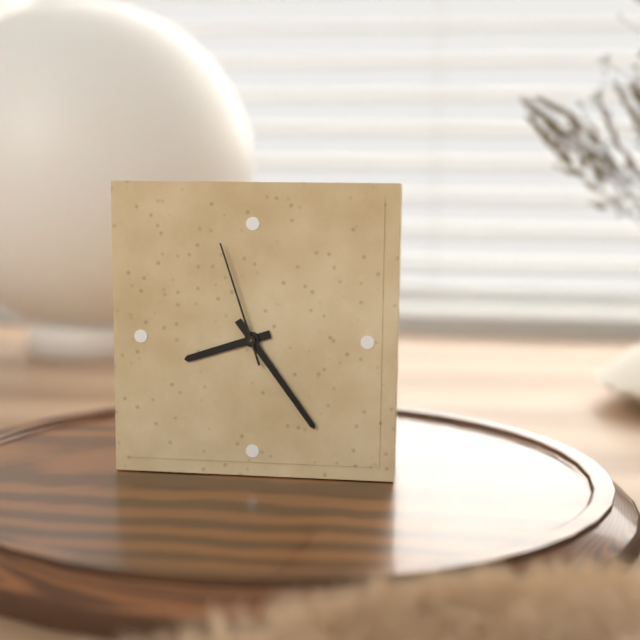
8:24:57
